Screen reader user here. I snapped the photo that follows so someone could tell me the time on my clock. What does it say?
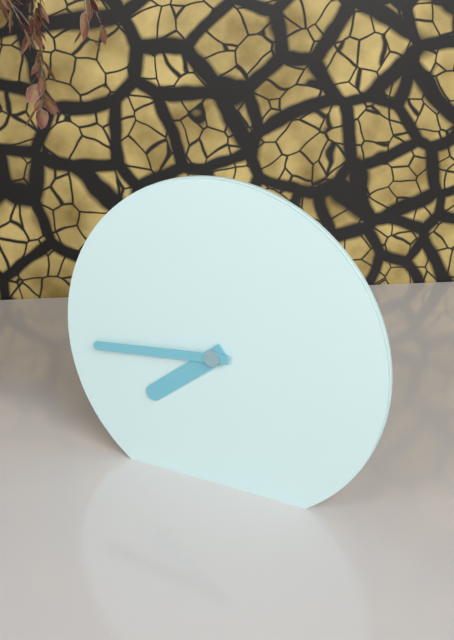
7:44
